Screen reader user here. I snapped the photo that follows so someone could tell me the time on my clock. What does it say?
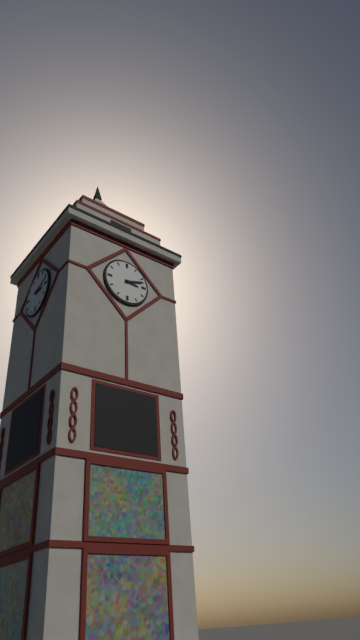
3:12
